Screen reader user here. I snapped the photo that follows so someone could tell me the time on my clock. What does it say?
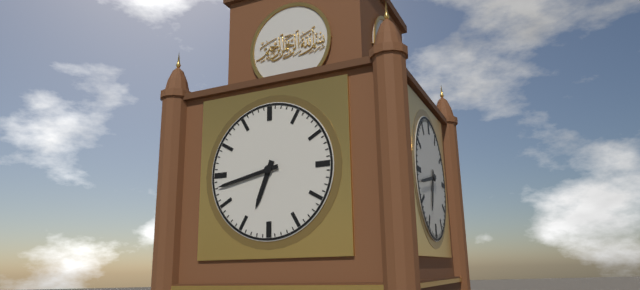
6:43
